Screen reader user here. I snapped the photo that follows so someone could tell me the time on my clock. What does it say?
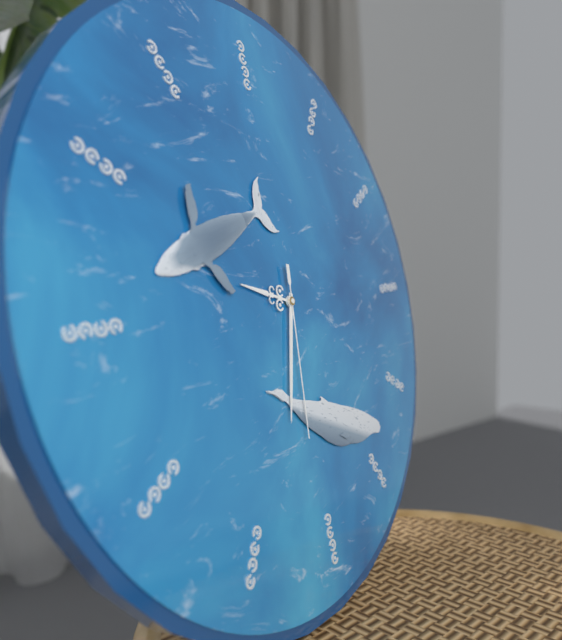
9:33:31
